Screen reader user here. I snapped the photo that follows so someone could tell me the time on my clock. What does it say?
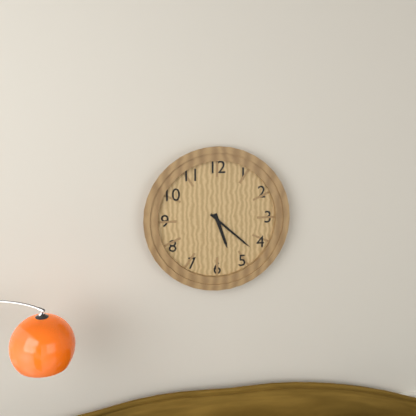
5:22
